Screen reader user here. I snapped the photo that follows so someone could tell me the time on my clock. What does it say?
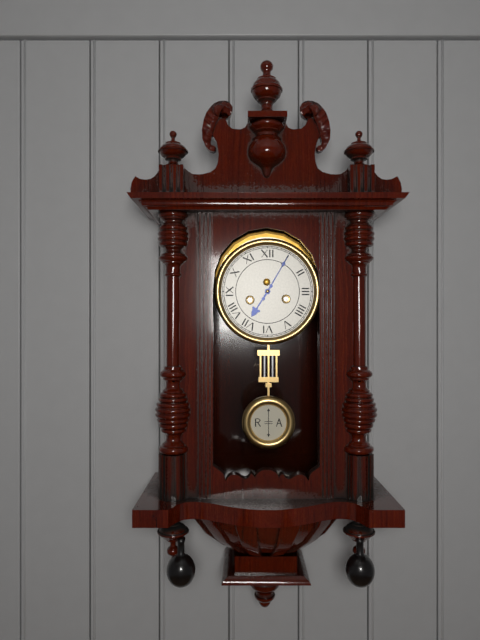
7:05
